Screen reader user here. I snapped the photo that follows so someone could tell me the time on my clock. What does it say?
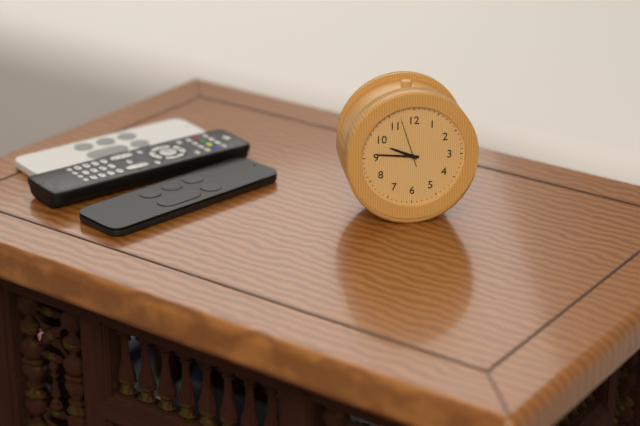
9:46:57
